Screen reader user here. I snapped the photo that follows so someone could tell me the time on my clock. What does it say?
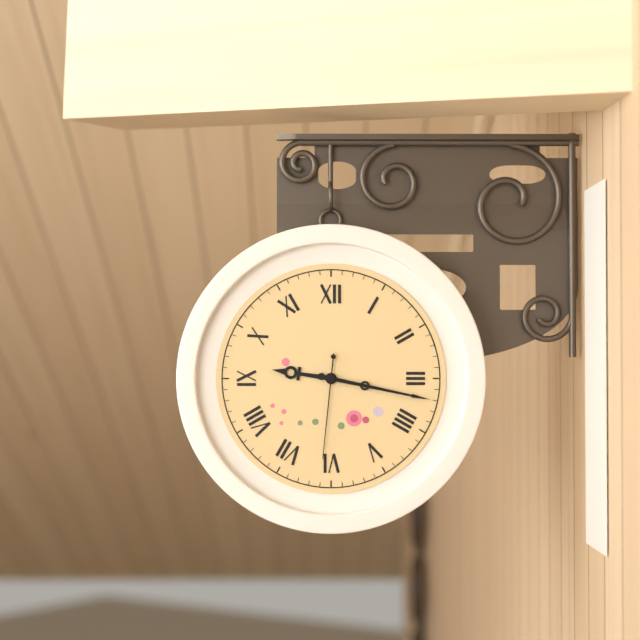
9:17:31
